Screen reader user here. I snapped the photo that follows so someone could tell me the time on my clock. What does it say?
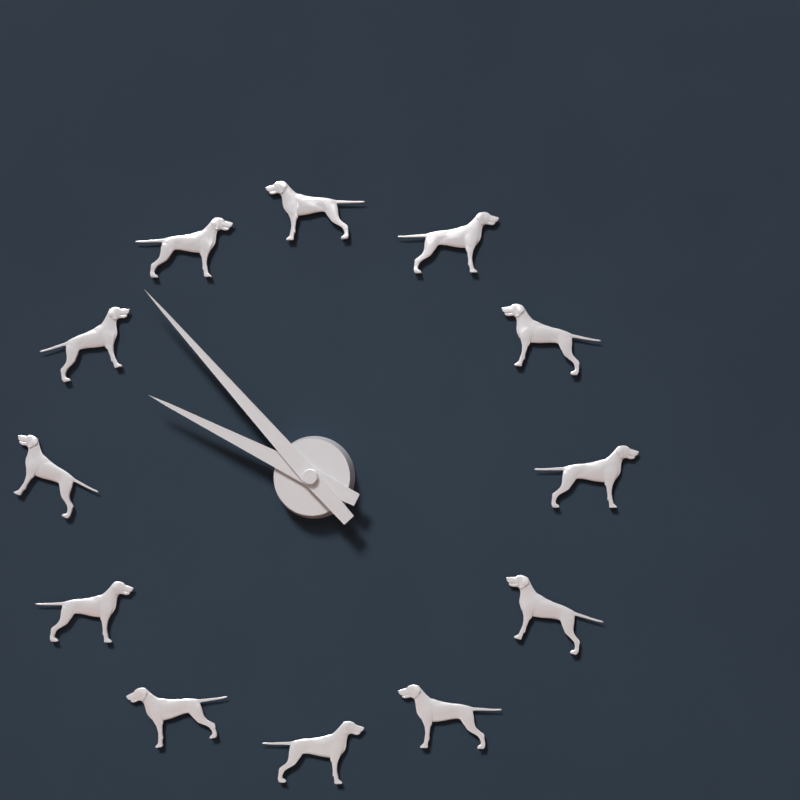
9:53
